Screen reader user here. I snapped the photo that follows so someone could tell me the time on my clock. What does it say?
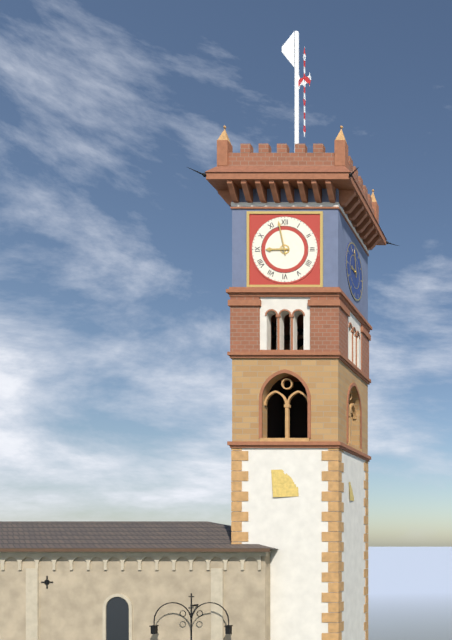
8:58
